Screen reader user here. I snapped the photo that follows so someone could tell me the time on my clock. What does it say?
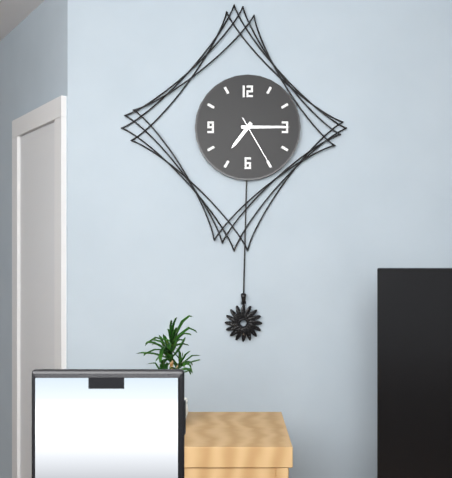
7:15:25
